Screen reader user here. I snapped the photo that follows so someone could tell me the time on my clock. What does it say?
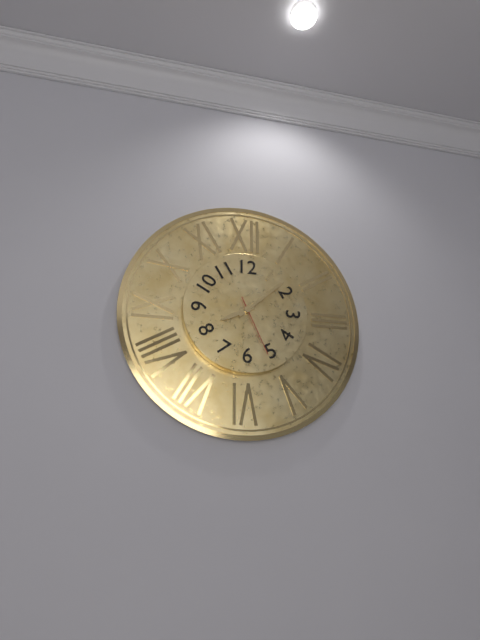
8:08:26
